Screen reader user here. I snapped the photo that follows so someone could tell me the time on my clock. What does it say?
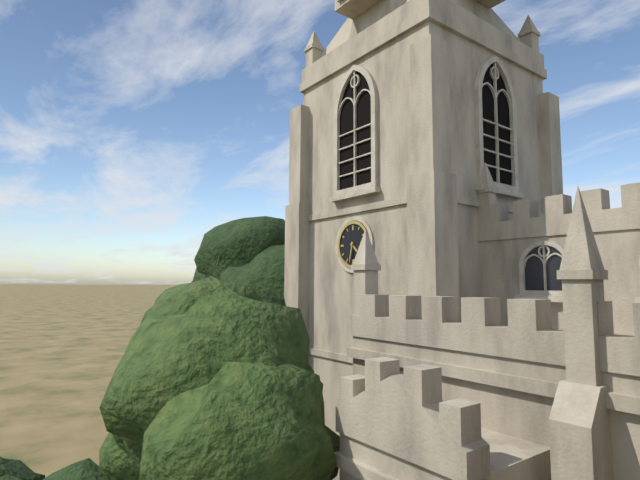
4:32
